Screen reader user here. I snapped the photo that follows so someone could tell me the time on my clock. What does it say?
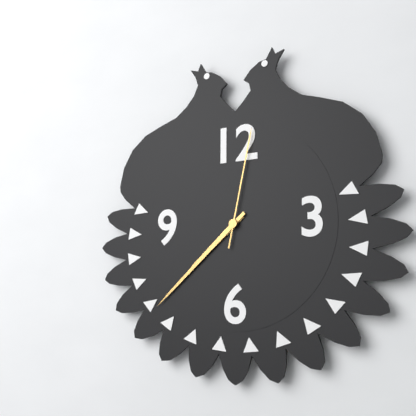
7:38:02
